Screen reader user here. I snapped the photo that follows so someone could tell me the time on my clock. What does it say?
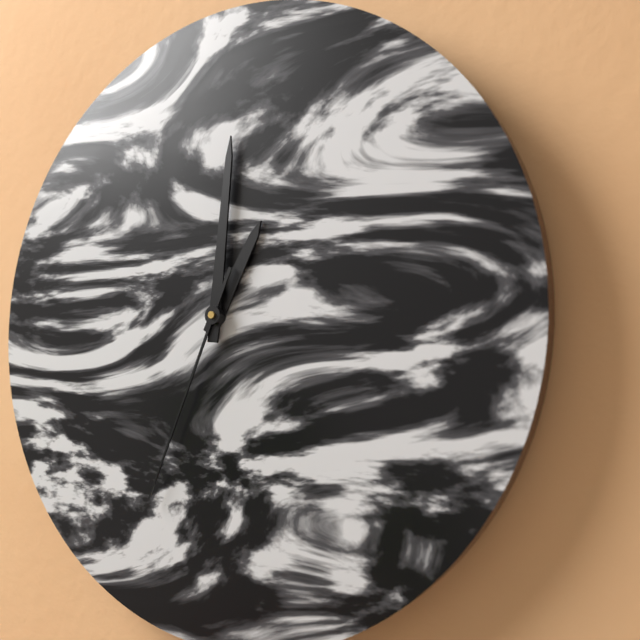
1:01:34
